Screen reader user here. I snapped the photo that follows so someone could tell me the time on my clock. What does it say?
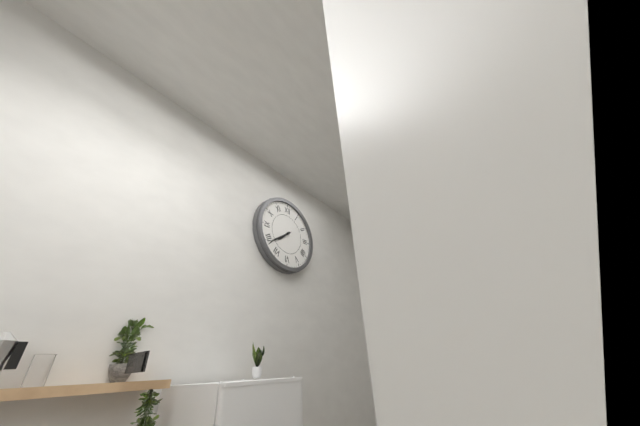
7:39
